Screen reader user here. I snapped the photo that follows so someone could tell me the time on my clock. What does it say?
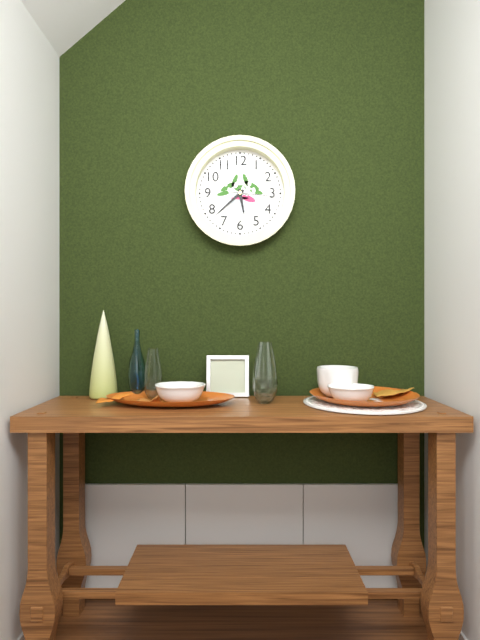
5:38
